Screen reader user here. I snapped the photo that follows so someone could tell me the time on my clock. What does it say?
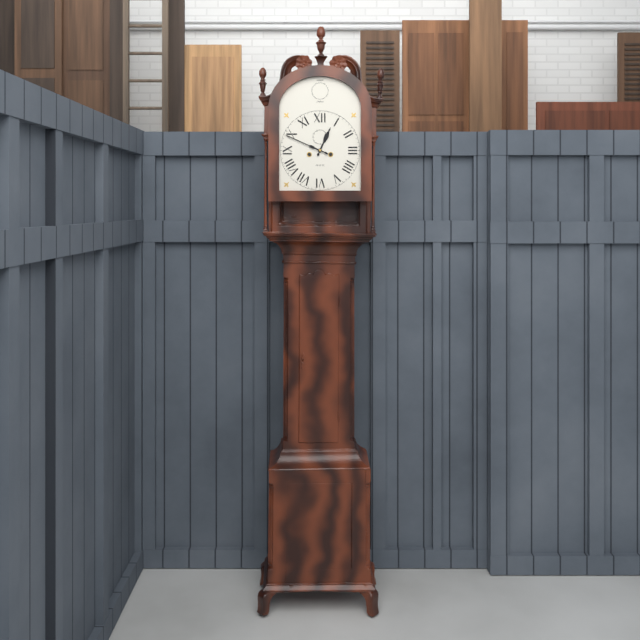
12:49
